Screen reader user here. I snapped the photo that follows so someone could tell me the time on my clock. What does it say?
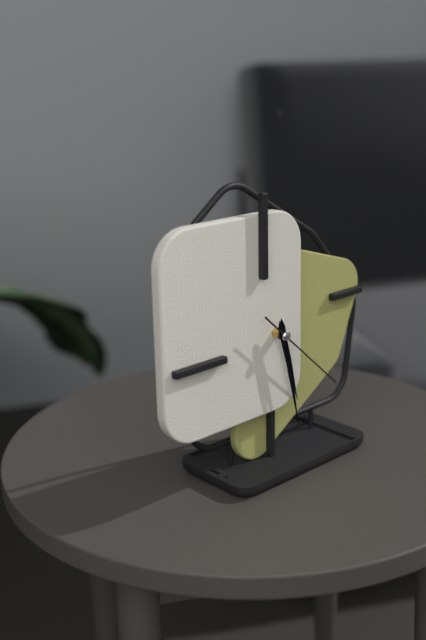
5:28:22
